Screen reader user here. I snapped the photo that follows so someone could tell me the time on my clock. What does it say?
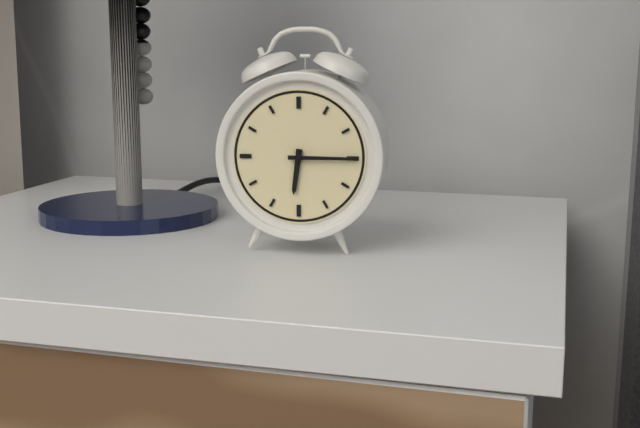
6:15
